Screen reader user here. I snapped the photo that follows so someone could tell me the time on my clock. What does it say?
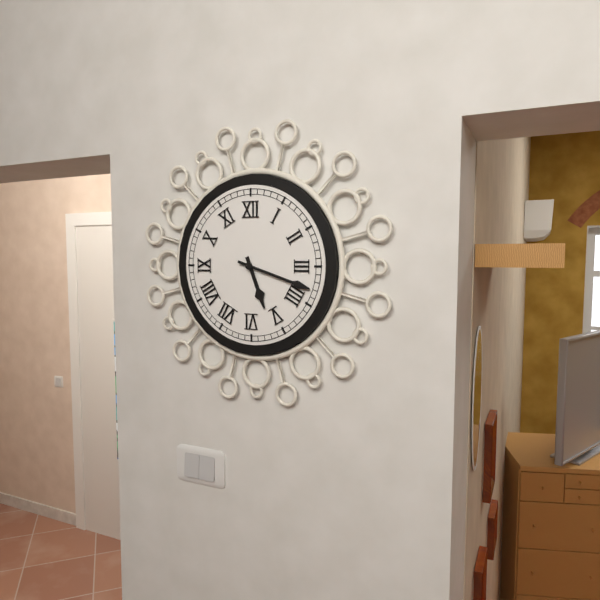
5:18
